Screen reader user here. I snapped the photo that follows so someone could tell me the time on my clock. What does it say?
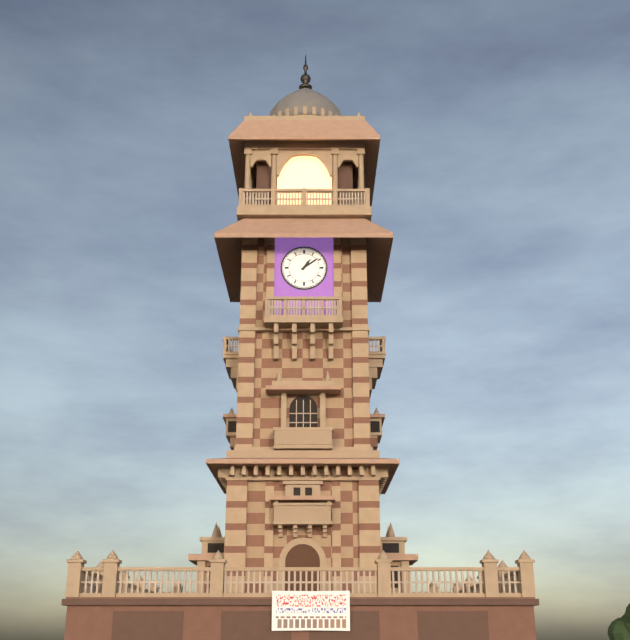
1:09
